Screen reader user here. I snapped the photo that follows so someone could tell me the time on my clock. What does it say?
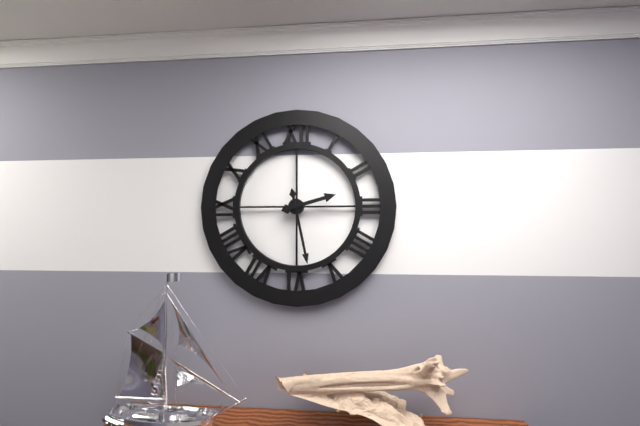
2:28
